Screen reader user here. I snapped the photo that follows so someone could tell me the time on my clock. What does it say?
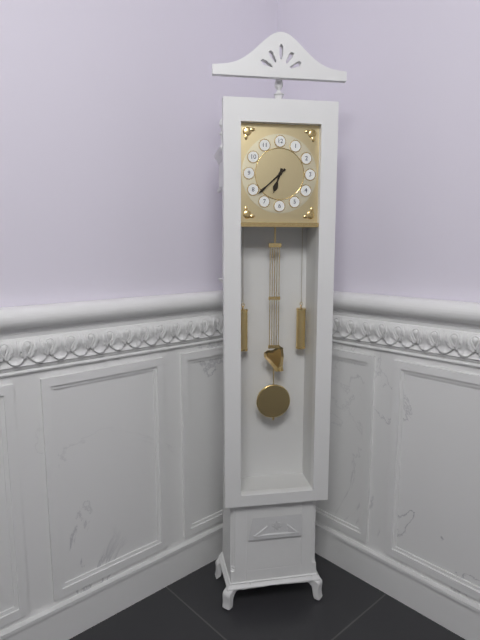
6:38
